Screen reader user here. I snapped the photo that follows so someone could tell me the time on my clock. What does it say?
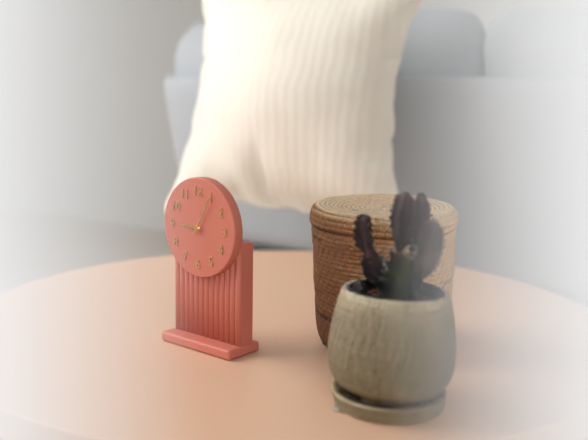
9:05
